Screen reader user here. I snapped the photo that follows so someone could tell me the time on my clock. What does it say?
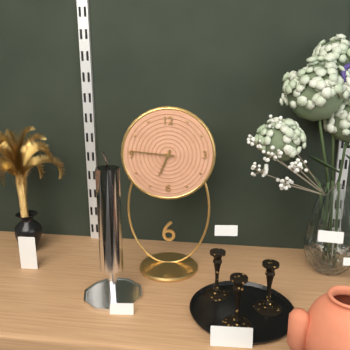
6:46
